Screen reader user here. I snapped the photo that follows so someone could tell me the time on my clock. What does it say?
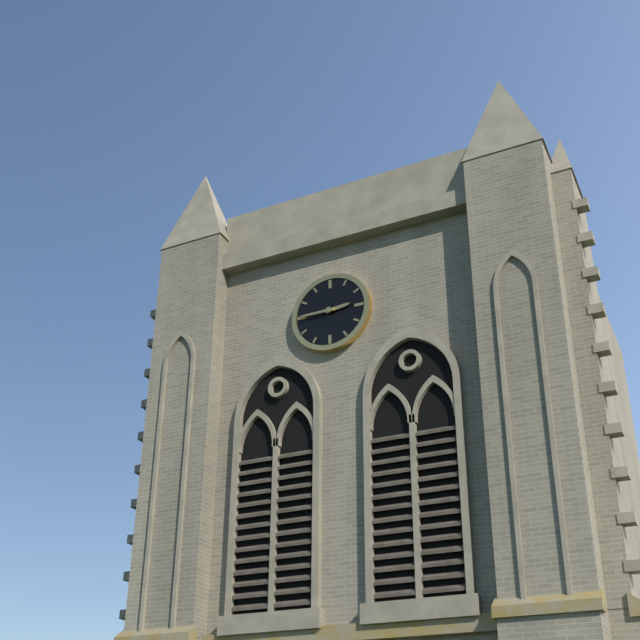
2:45
